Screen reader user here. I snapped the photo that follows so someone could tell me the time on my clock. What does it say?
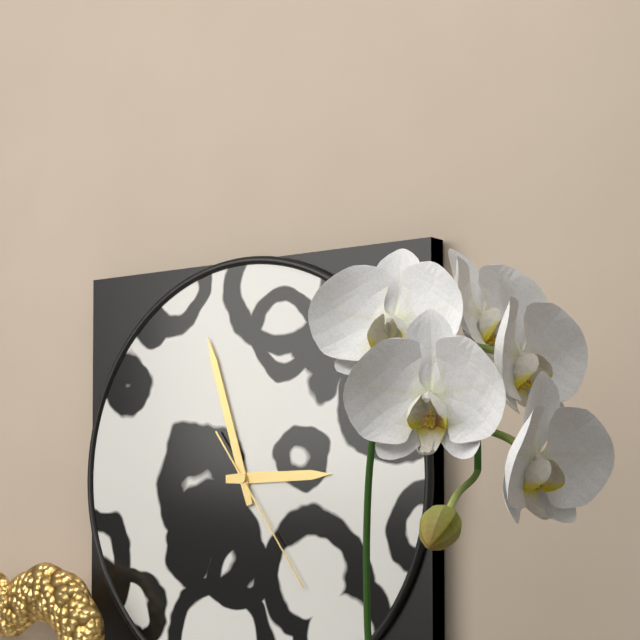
2:57:24
